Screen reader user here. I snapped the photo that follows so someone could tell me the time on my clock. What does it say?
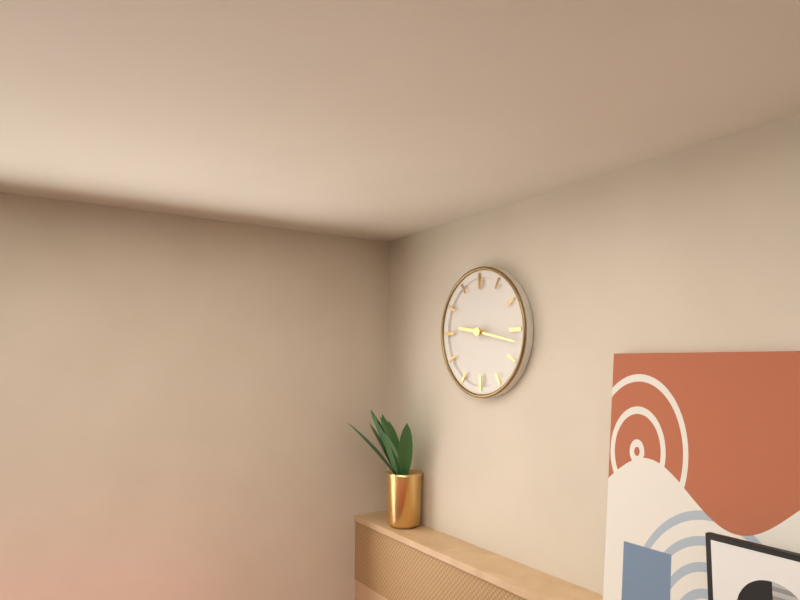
9:17
